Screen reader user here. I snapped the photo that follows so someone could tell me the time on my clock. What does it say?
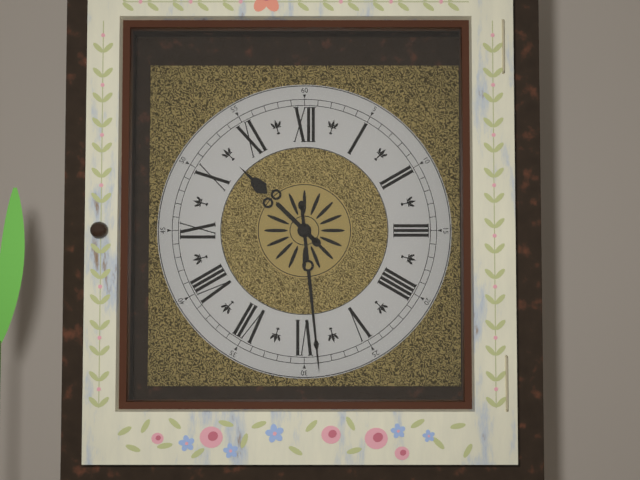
10:29
